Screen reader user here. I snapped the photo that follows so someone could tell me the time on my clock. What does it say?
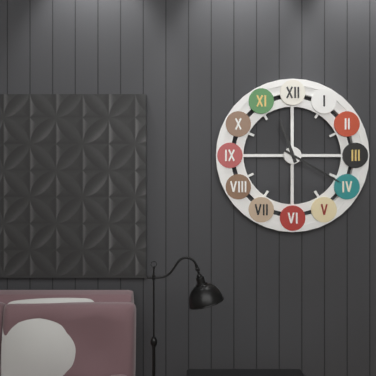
11:20
